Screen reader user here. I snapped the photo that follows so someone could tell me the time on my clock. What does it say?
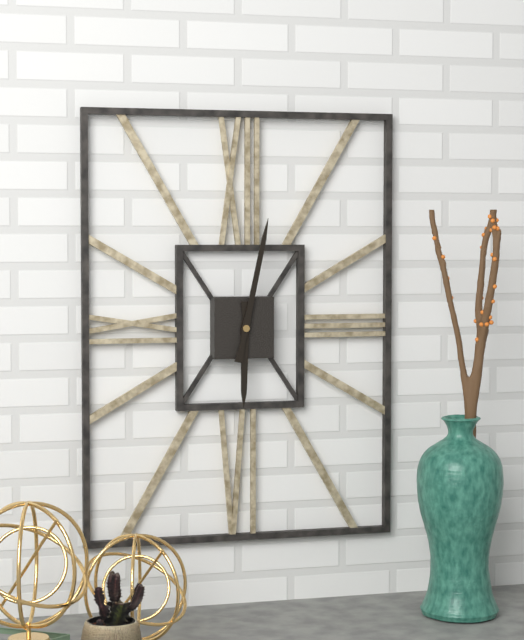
6:02
